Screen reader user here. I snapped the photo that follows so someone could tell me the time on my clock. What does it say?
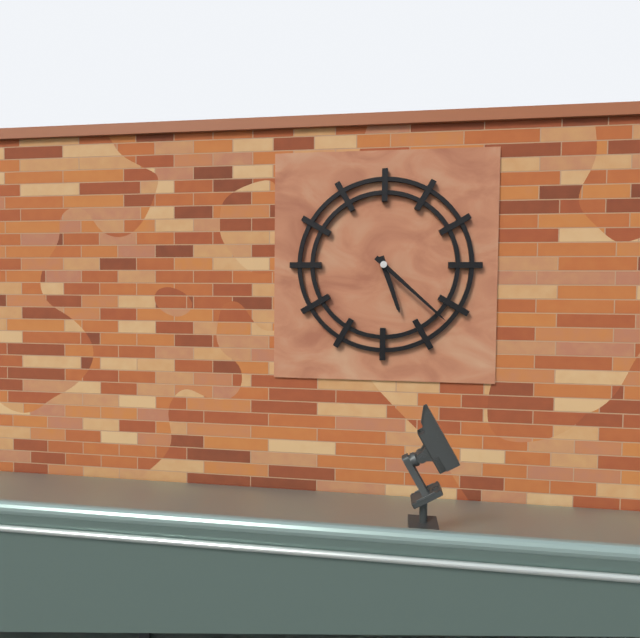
5:22
